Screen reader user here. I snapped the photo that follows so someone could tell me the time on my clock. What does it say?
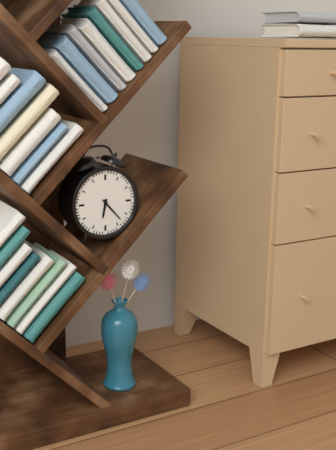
6:23
